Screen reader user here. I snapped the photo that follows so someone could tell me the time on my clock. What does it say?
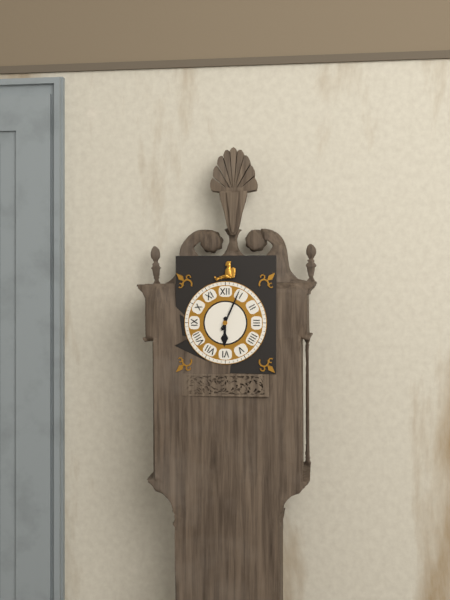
6:04
